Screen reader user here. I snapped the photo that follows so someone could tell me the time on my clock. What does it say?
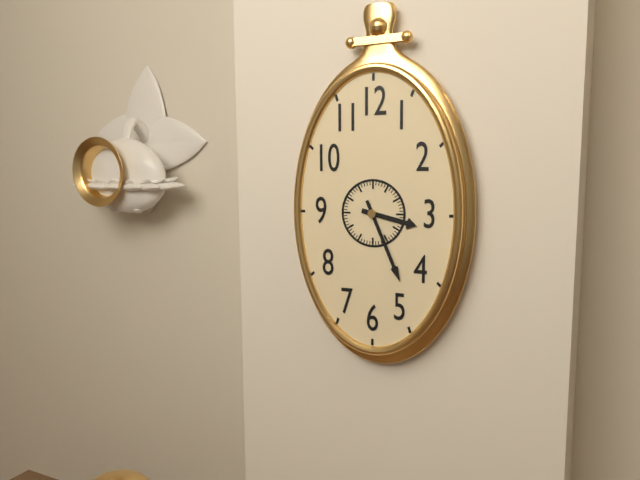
3:26
